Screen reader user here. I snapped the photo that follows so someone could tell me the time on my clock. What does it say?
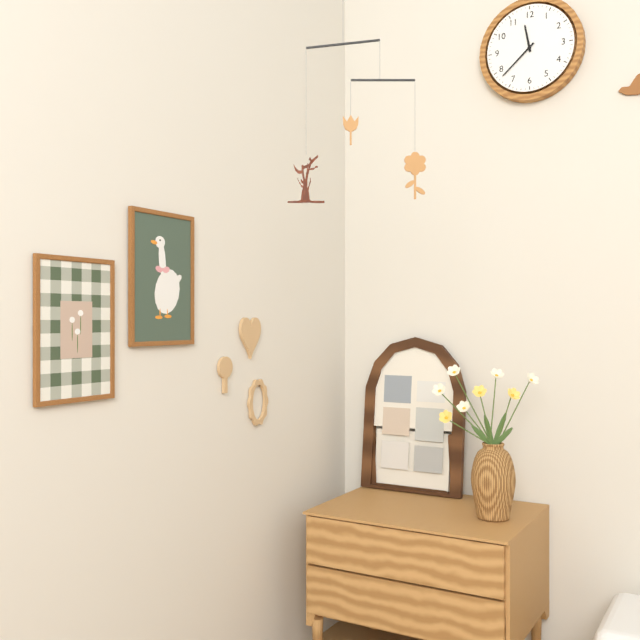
11:38
